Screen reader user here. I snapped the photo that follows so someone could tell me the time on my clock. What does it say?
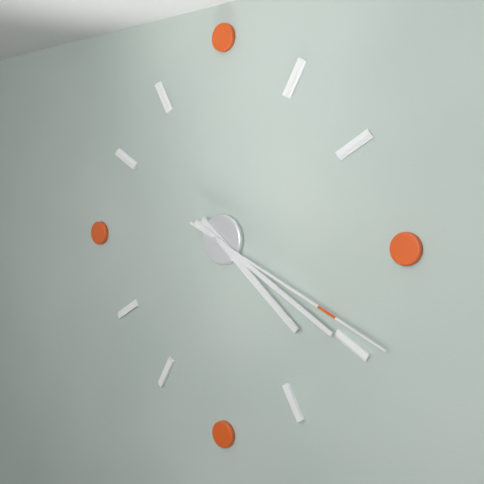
4:20:19
